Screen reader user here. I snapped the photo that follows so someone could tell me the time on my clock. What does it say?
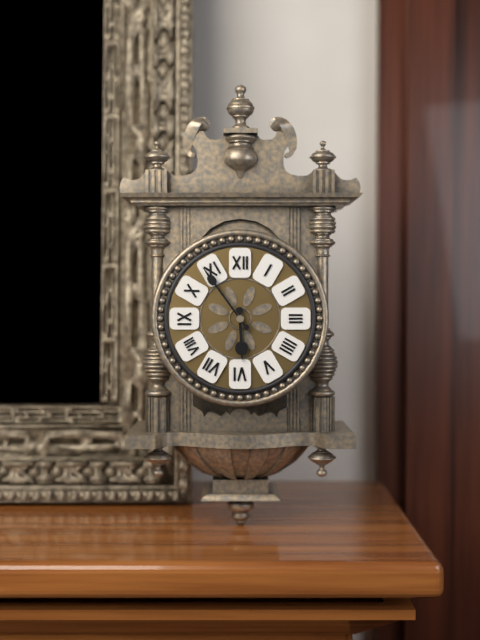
5:54
